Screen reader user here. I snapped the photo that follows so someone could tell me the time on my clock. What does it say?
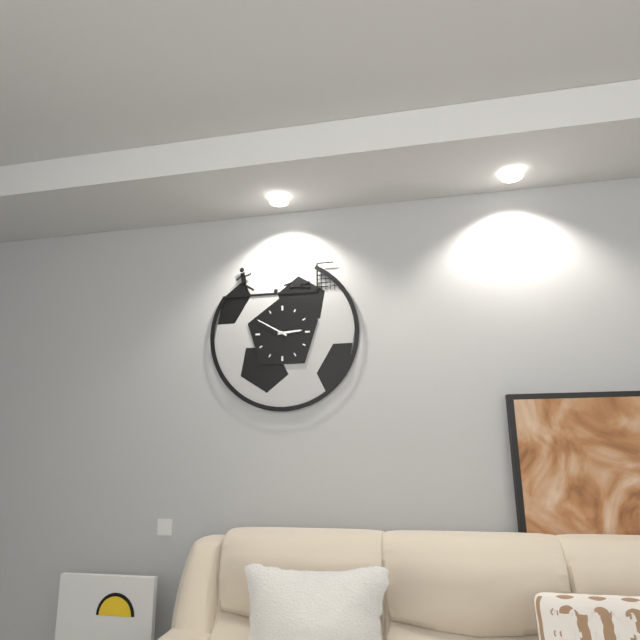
2:50
